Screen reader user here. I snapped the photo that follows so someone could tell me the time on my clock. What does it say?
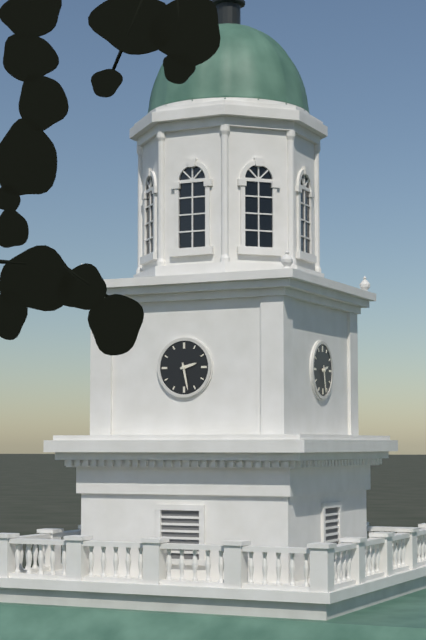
2:28
